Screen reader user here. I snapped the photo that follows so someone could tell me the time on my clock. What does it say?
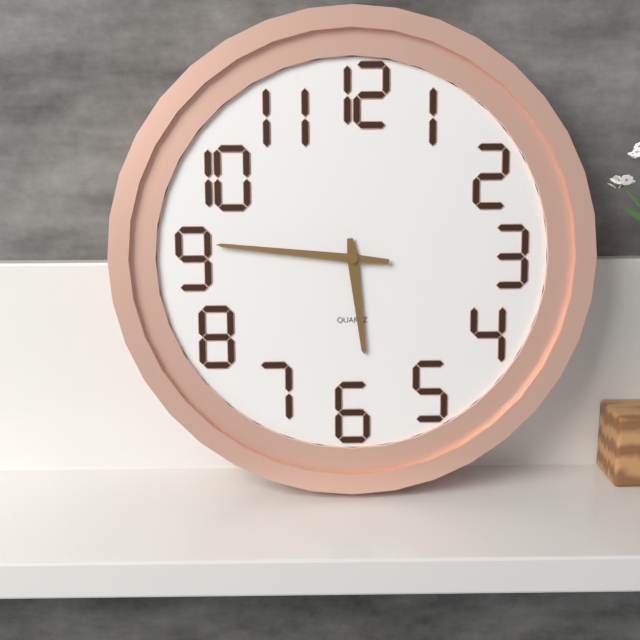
5:46
